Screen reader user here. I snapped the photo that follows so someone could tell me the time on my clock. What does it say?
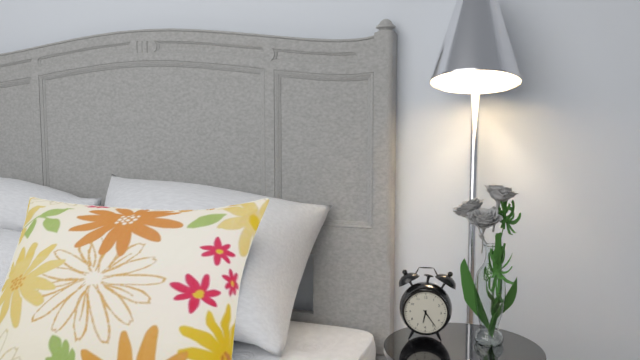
6:24
